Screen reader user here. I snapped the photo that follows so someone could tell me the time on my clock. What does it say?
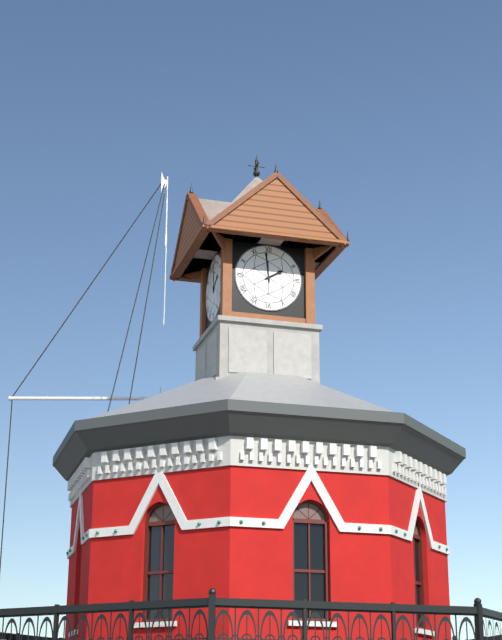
1:59
